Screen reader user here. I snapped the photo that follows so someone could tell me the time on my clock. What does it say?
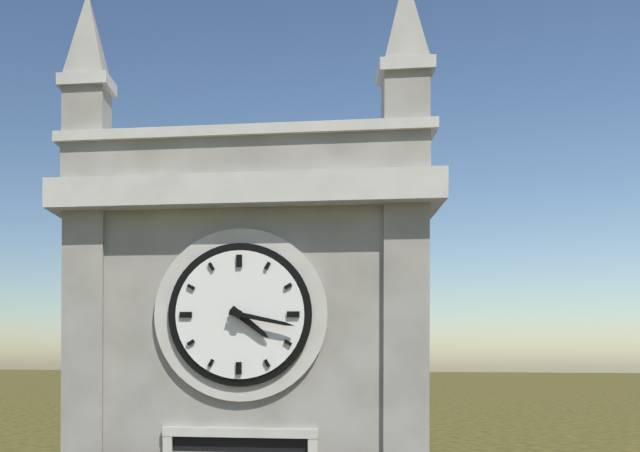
4:17
